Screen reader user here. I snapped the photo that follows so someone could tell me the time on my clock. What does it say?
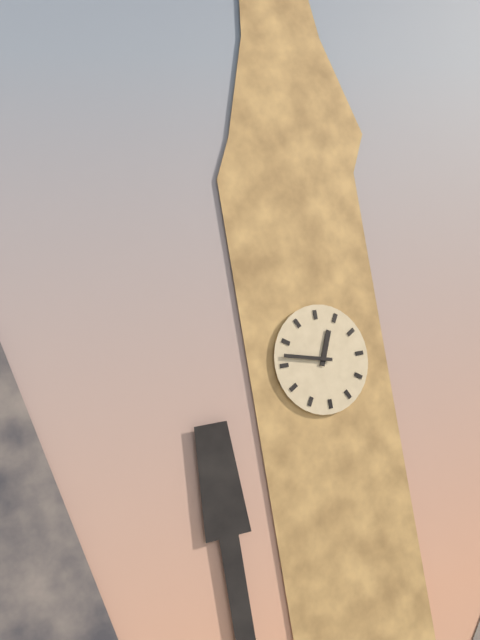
12:47
